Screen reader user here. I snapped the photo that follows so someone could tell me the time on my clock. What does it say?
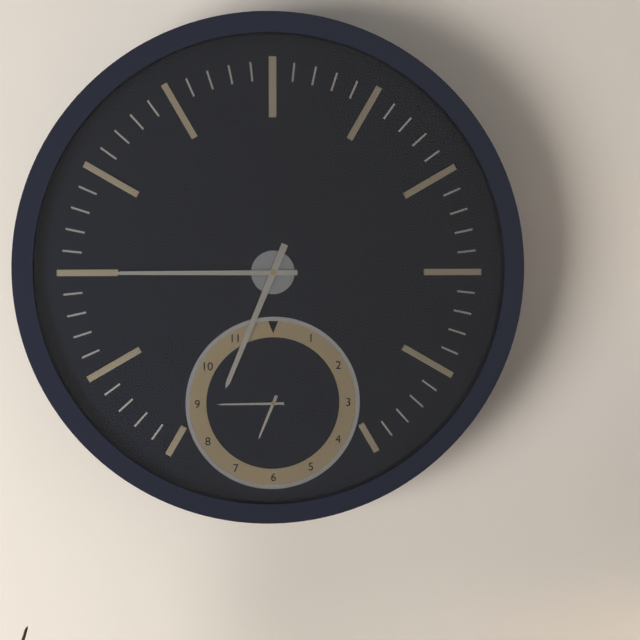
6:45
